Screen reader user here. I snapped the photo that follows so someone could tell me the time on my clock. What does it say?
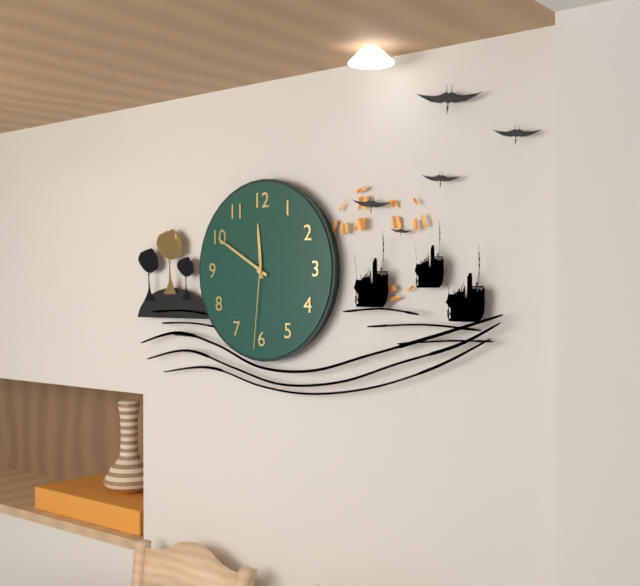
11:50:31
